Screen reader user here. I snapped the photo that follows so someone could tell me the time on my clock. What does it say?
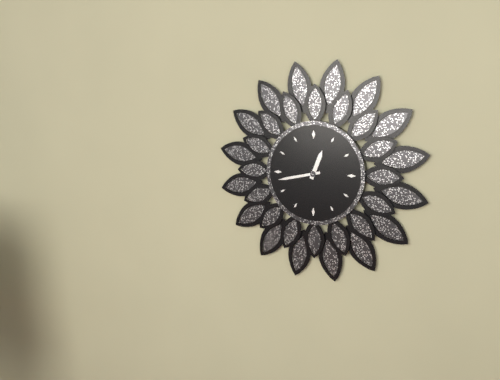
12:43
